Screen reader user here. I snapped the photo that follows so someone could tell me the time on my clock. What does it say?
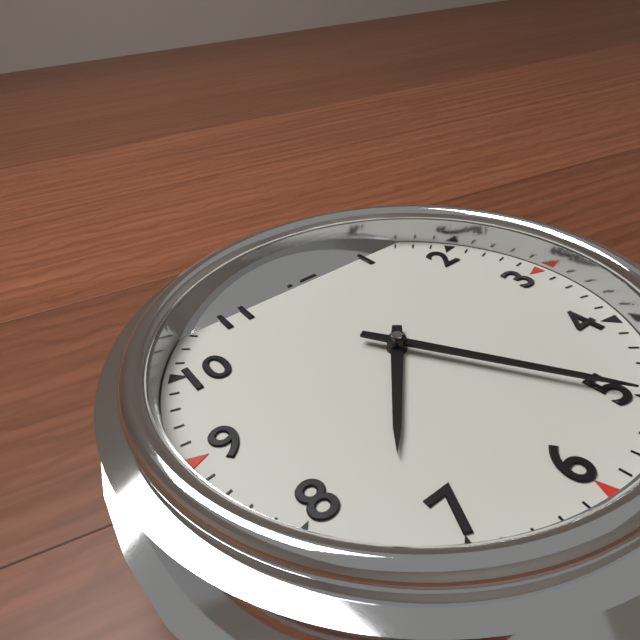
7:25
